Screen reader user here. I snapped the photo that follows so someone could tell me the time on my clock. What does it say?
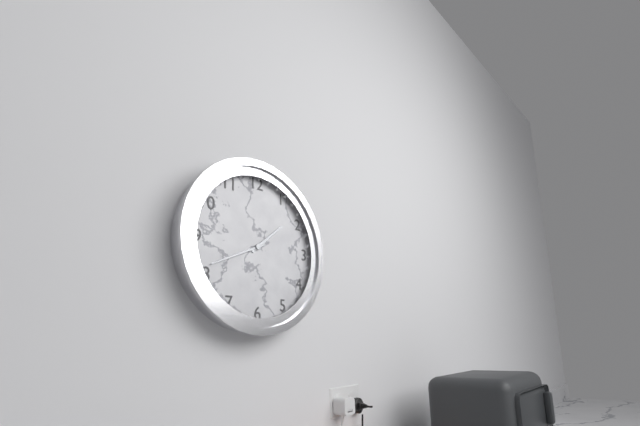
1:41
